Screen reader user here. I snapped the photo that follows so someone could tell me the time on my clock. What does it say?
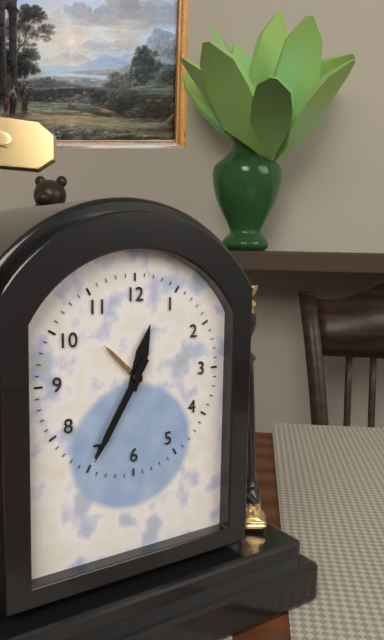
12:35
